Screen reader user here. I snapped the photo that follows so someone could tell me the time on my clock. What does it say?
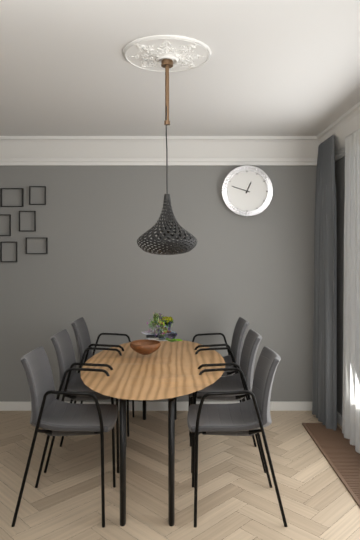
12:48
